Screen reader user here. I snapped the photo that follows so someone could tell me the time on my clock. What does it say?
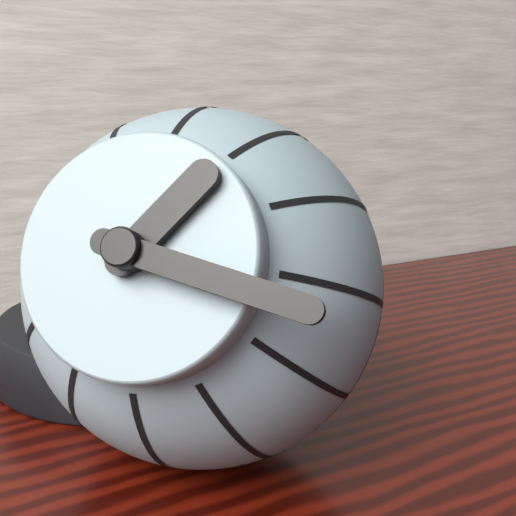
1:17
